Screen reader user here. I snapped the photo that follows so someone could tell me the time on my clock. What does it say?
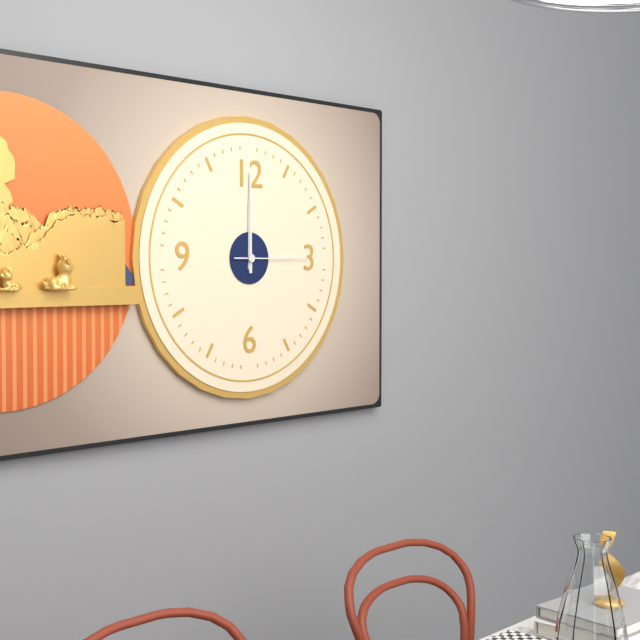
12:00:15
